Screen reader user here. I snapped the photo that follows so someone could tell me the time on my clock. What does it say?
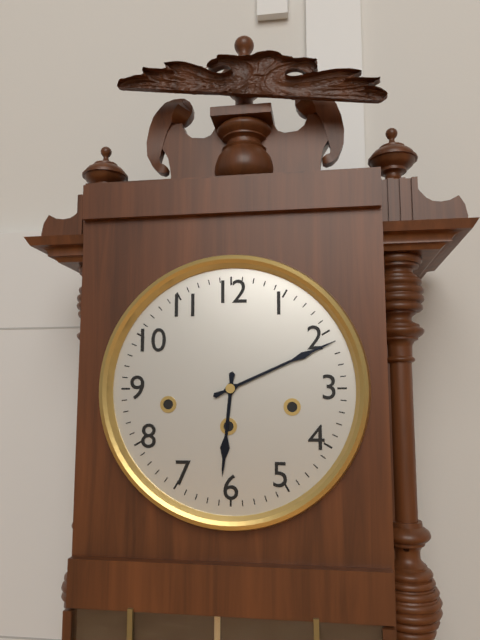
6:11
